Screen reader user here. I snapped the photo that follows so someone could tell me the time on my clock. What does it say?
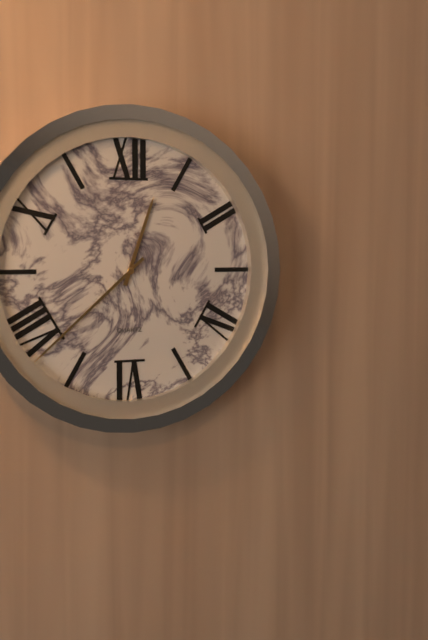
12:38
